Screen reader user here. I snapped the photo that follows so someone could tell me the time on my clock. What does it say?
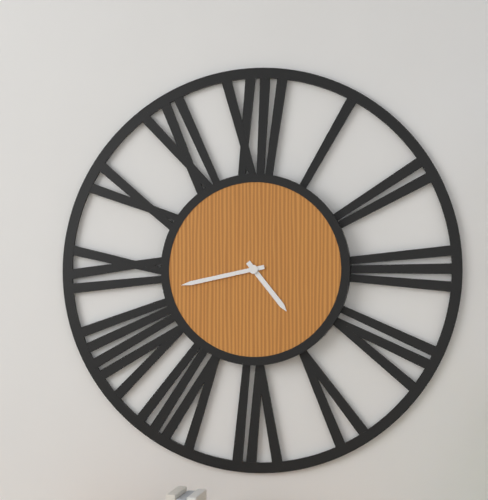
4:43
